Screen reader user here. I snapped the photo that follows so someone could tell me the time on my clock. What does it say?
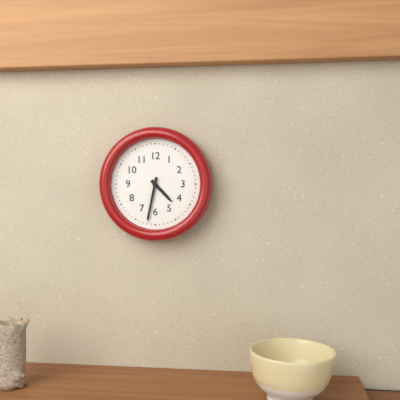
4:32
